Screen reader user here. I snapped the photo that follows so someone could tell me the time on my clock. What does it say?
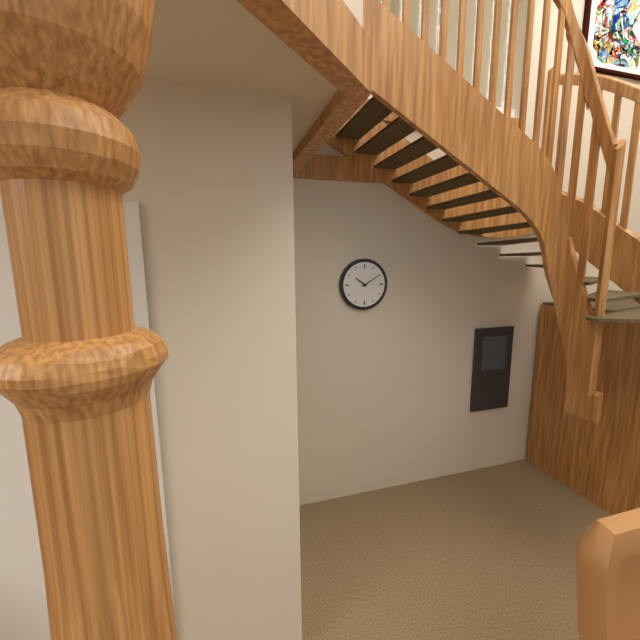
10:10
